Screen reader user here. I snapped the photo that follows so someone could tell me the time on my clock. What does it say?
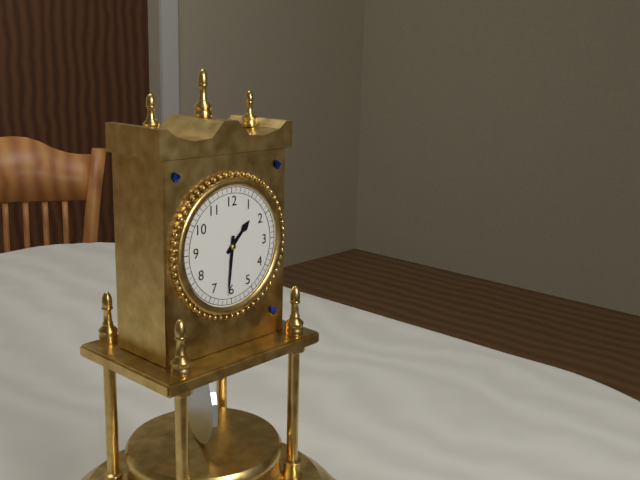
1:31
